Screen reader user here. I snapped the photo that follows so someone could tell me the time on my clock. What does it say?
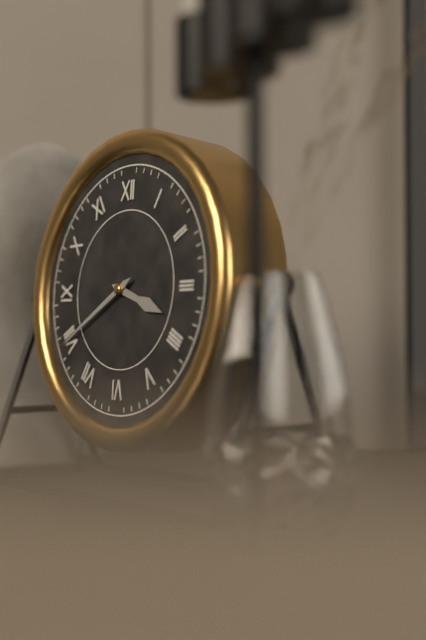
3:40
